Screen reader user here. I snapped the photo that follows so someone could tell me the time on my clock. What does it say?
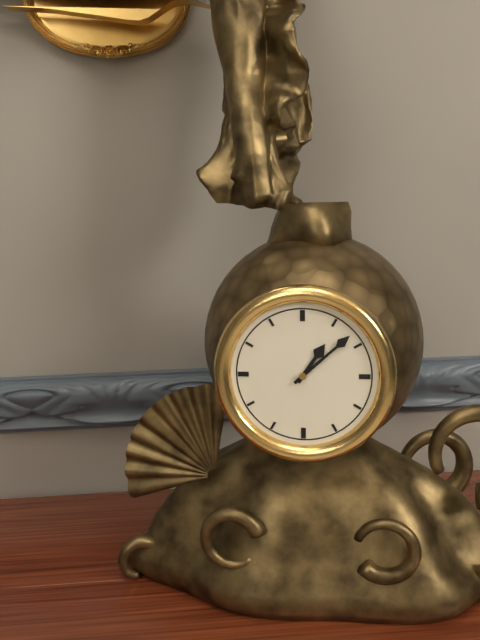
1:08
